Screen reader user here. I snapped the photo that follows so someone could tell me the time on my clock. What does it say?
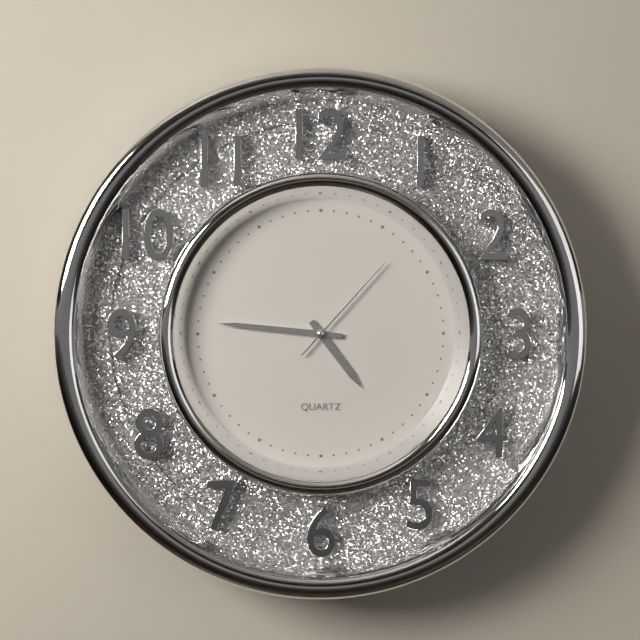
4:46:07
